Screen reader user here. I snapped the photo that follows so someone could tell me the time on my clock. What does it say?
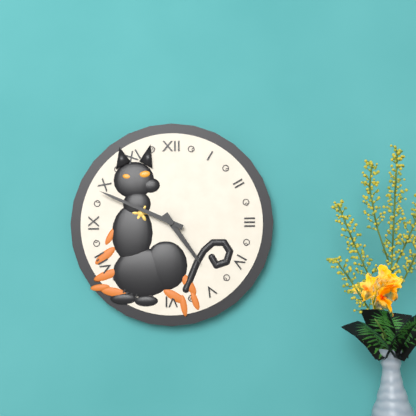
4:49
